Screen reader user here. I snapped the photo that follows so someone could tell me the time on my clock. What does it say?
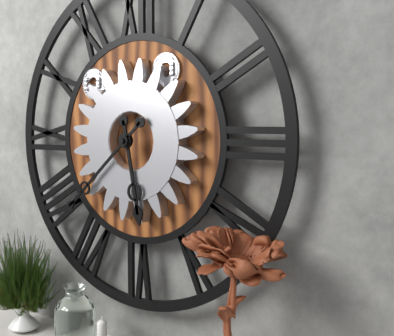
5:38
